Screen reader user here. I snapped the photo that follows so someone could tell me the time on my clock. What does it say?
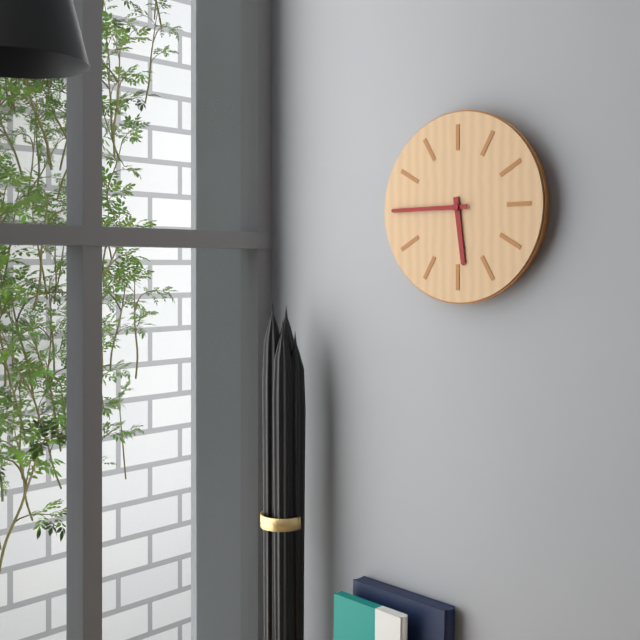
5:45
